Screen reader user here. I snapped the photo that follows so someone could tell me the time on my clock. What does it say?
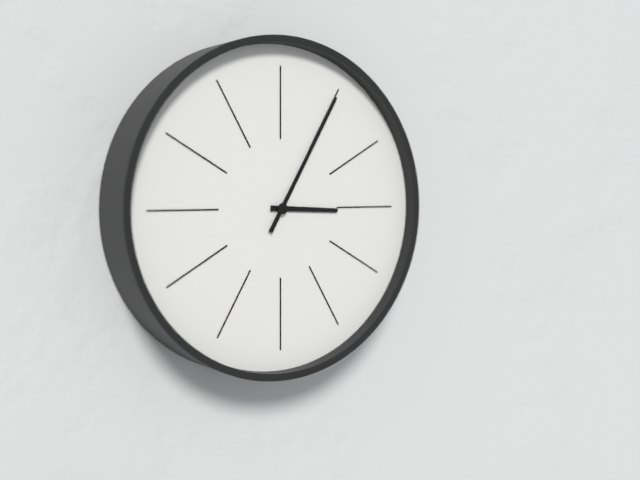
3:05
